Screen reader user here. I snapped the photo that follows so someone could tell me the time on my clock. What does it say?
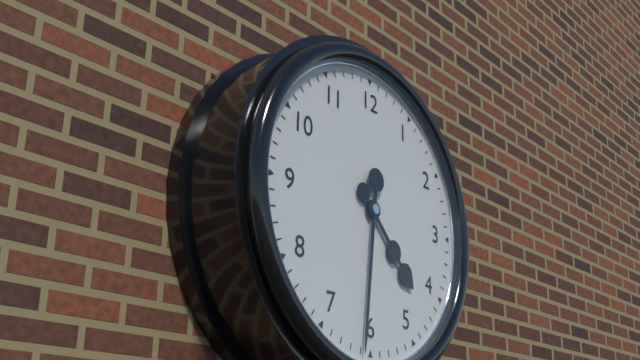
4:31
